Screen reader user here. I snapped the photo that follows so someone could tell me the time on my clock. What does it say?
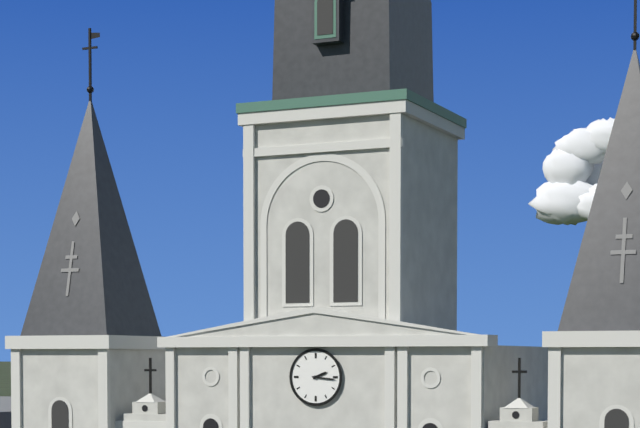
2:16
